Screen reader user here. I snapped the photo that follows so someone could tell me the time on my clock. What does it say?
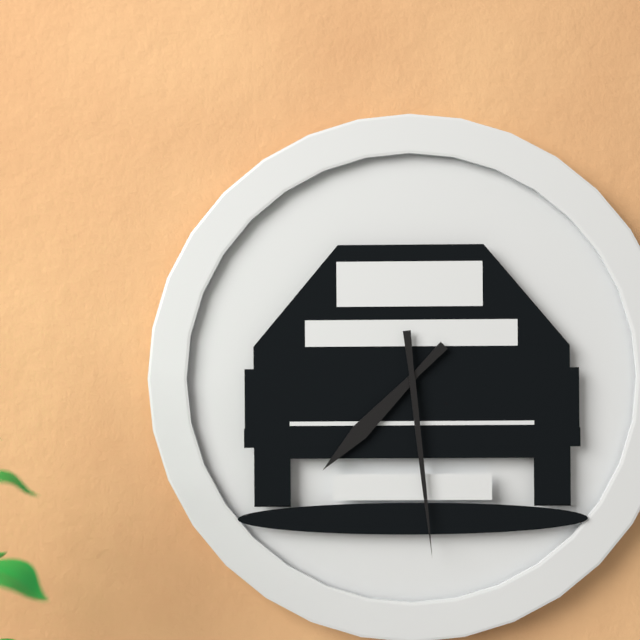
7:29
